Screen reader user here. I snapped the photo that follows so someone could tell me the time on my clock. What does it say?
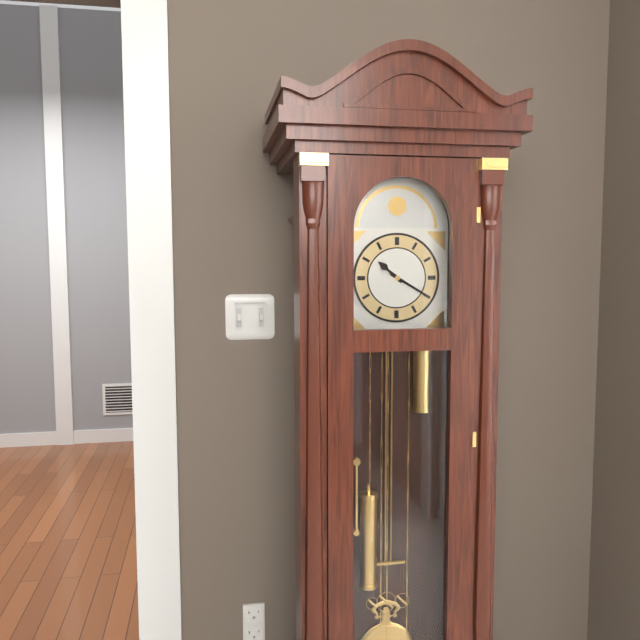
10:20
